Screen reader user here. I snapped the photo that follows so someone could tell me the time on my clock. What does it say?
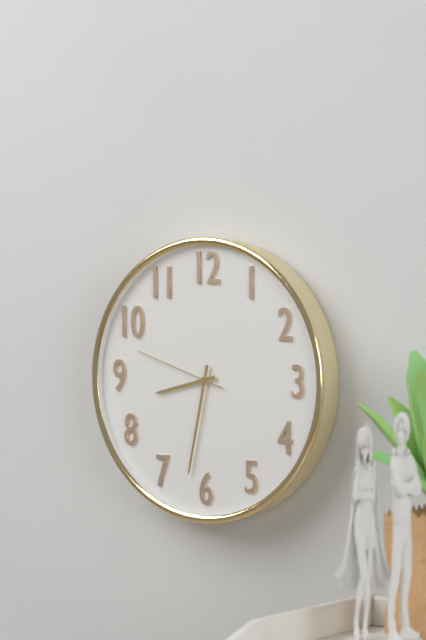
8:32:48
